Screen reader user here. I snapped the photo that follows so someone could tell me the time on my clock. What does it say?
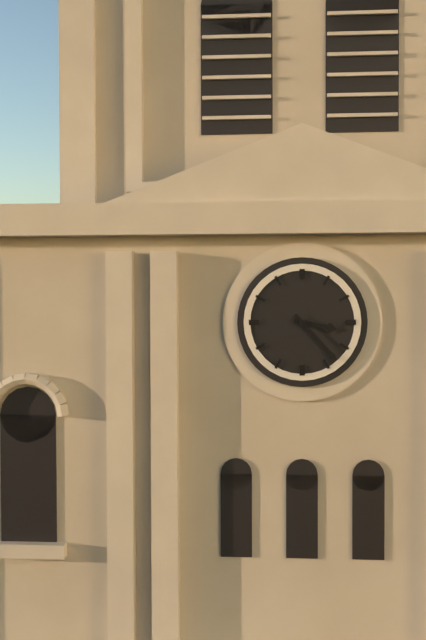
3:23
